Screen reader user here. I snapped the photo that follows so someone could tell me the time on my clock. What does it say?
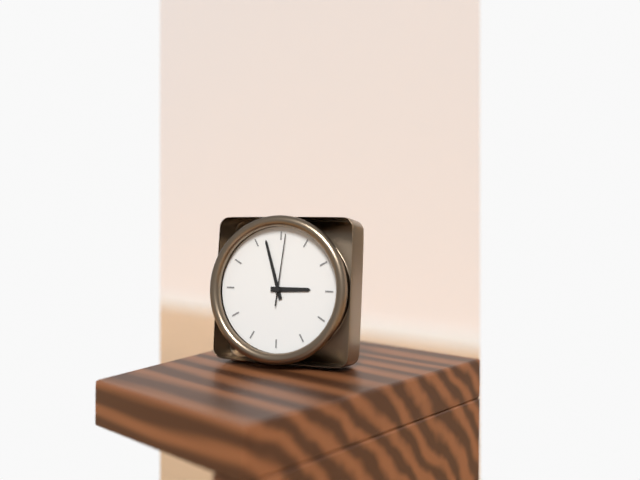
2:57:01
